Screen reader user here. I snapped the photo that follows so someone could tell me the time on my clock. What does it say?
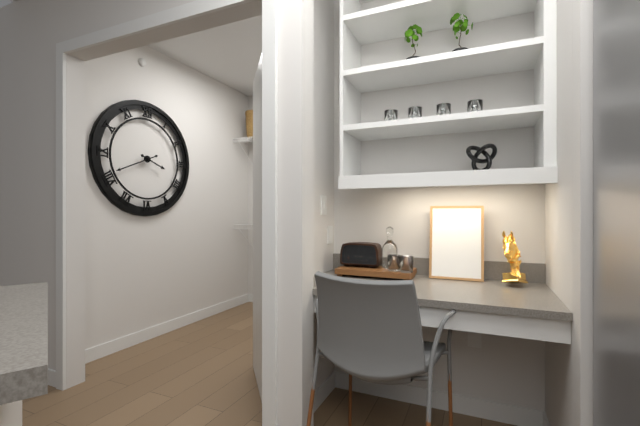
3:41
